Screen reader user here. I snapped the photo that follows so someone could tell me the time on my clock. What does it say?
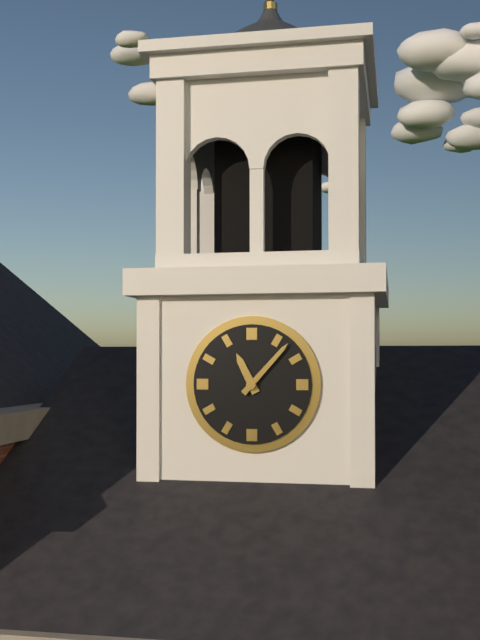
11:07
